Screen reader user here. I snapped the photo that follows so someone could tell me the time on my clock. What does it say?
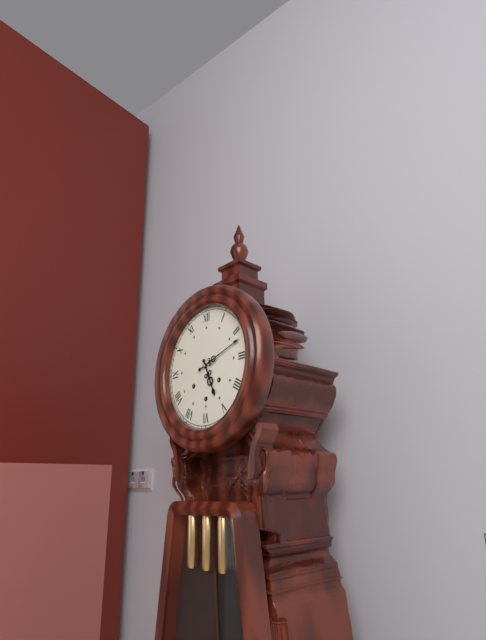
5:12
